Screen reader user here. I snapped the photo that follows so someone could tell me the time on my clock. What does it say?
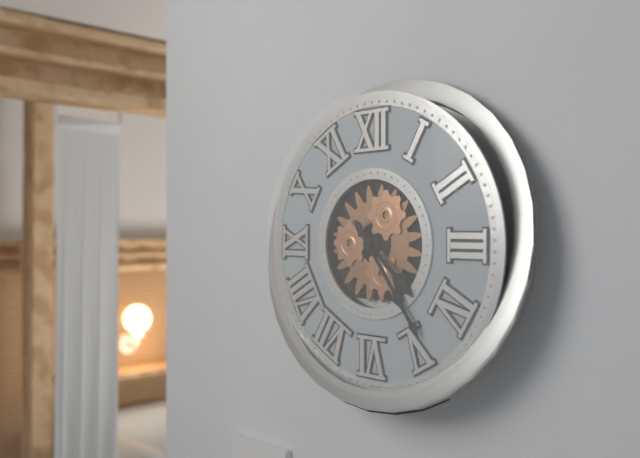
4:24
